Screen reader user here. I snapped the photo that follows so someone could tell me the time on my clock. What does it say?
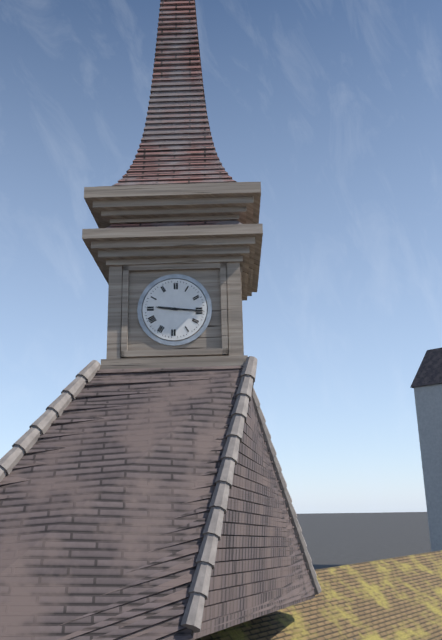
9:16
